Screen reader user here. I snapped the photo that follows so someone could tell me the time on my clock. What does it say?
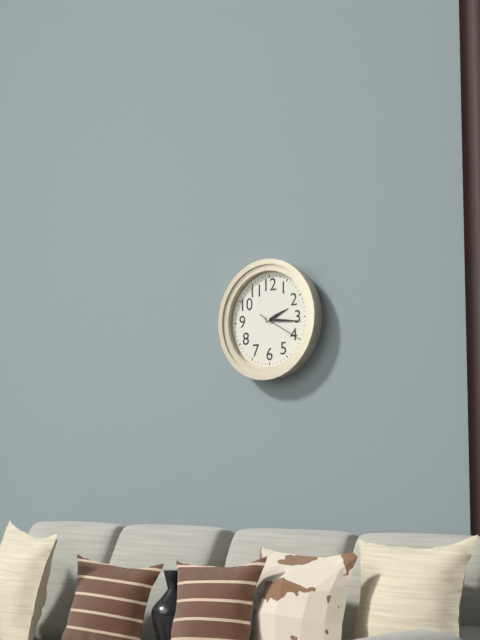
2:16
